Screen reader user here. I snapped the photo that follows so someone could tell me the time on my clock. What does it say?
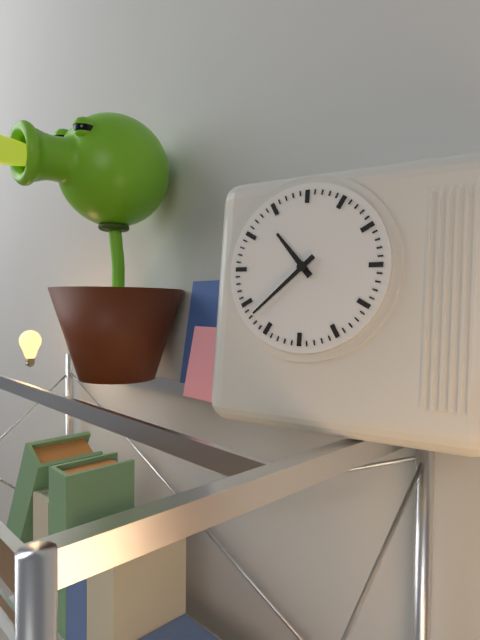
10:38
